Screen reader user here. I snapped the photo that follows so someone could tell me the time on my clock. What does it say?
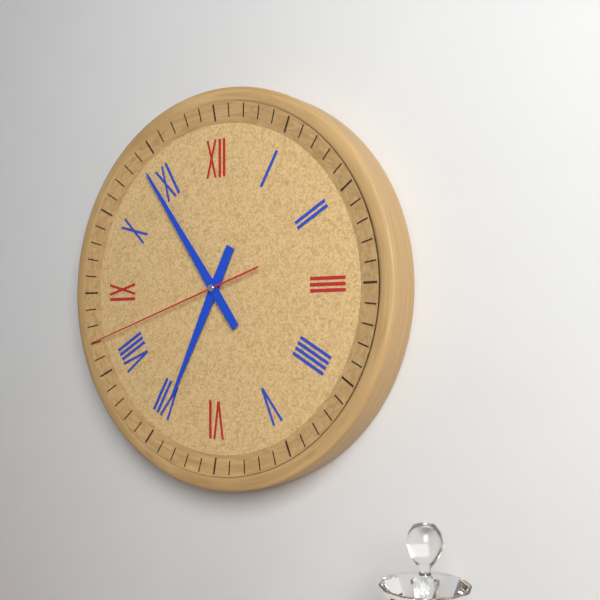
6:54:42
